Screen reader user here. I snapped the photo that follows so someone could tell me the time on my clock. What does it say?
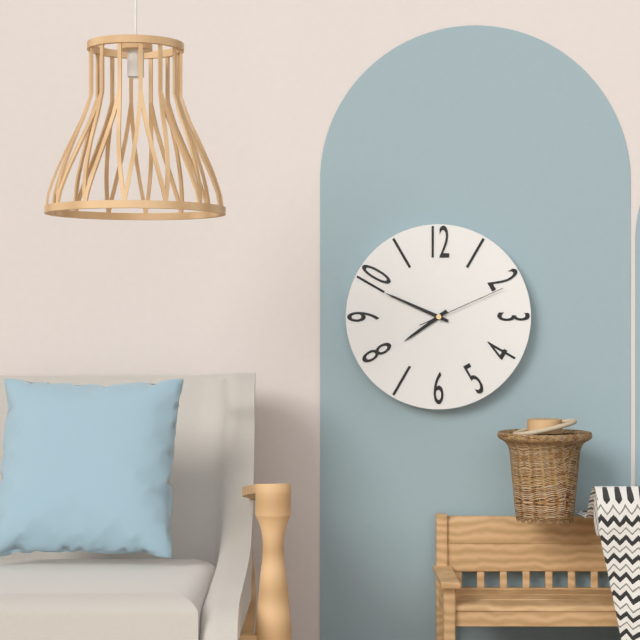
7:49:11
